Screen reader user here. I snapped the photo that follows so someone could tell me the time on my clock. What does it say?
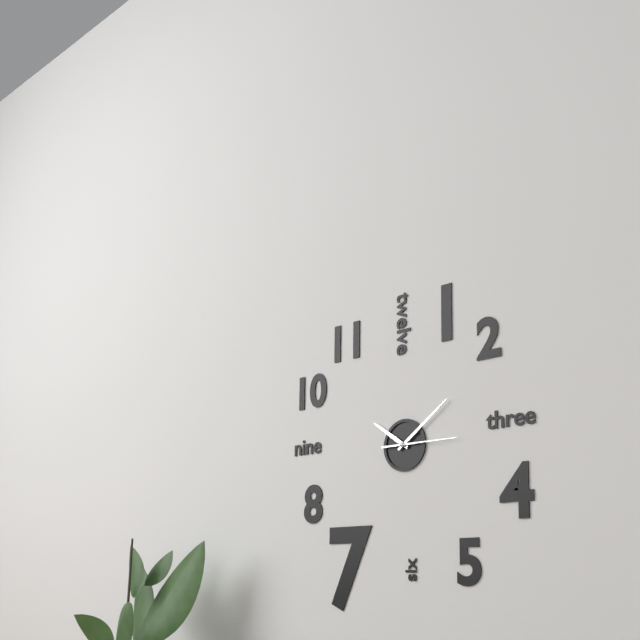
10:09:15
